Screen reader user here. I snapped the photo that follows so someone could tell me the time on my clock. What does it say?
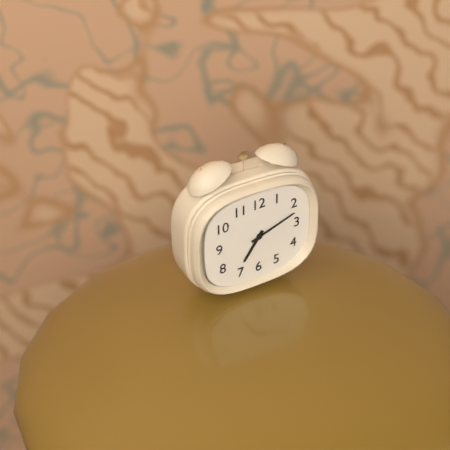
7:12
